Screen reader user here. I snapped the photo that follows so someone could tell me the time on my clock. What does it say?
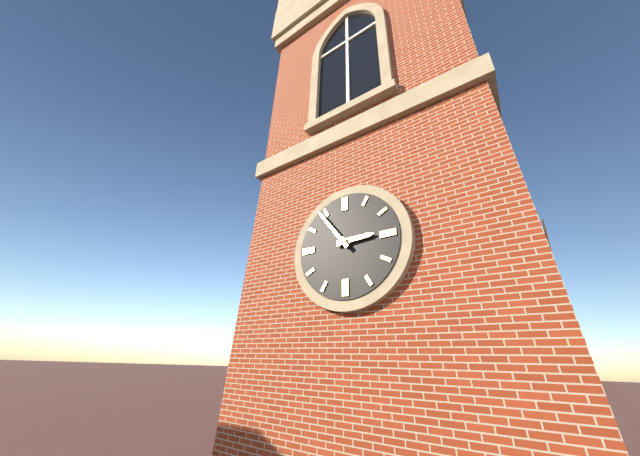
2:54
